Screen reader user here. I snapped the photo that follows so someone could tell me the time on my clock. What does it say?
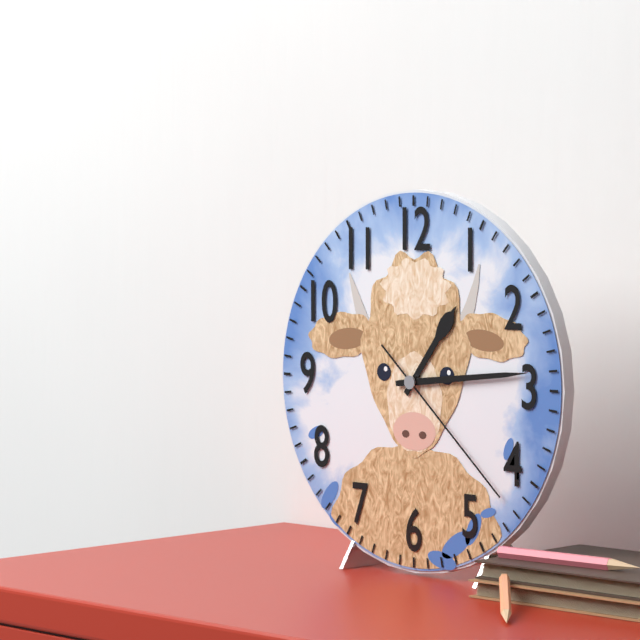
1:14:22
